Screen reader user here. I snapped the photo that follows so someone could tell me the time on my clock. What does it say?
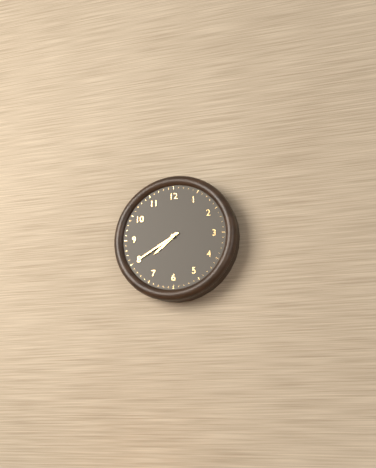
7:40
